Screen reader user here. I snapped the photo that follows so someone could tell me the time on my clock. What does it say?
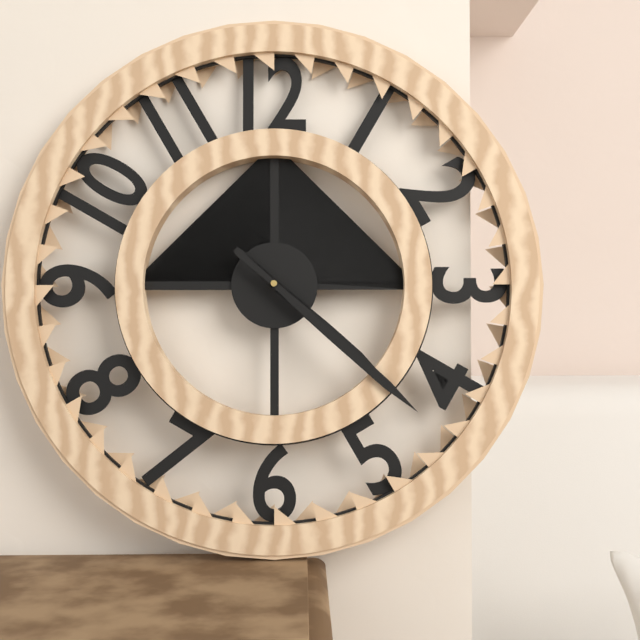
4:22
